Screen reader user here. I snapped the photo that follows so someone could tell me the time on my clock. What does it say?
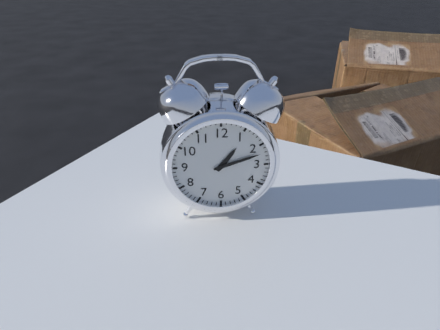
1:12
